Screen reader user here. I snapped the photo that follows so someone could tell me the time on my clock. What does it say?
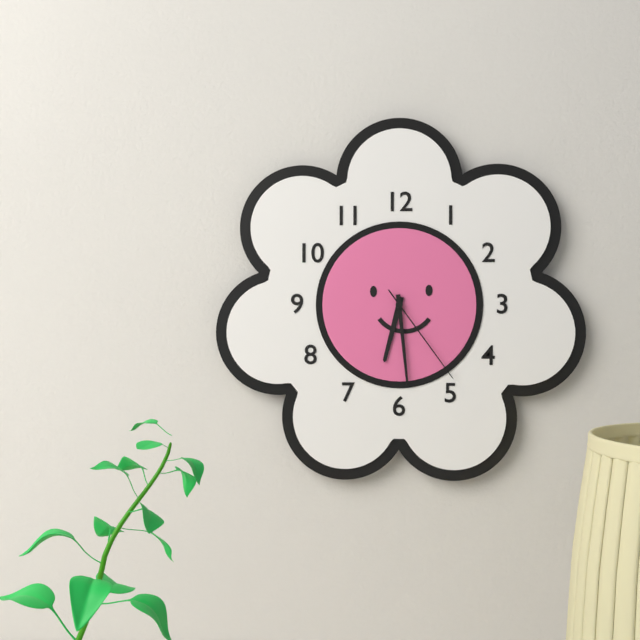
6:29:24
